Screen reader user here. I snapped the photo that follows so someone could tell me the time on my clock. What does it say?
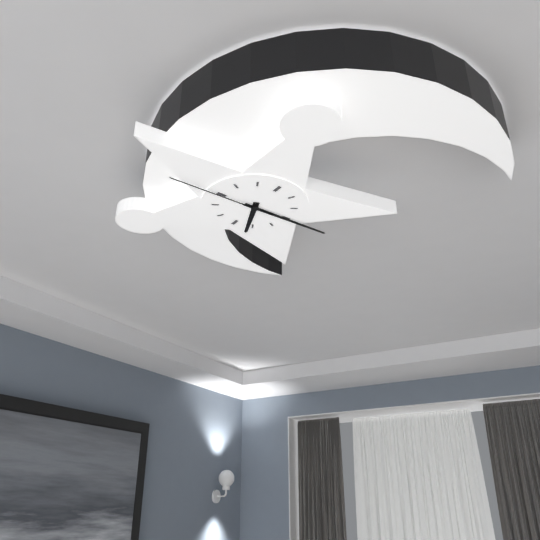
5:15:45
